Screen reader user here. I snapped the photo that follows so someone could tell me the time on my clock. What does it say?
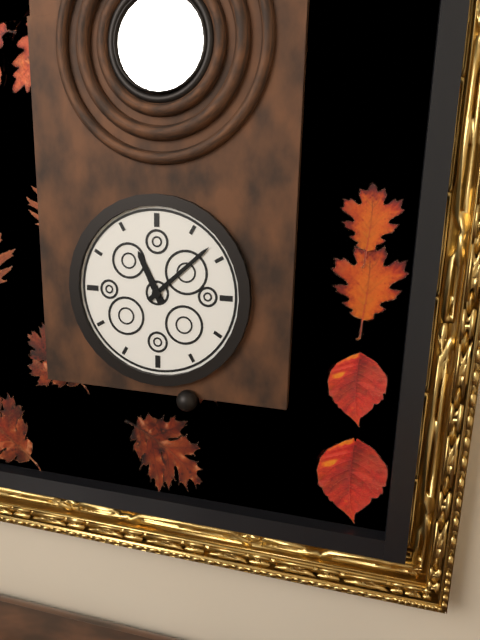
11:08
